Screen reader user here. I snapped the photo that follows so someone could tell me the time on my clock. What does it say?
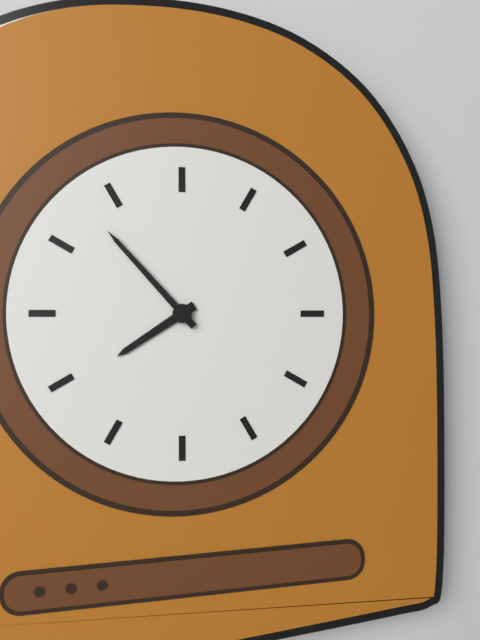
7:53
